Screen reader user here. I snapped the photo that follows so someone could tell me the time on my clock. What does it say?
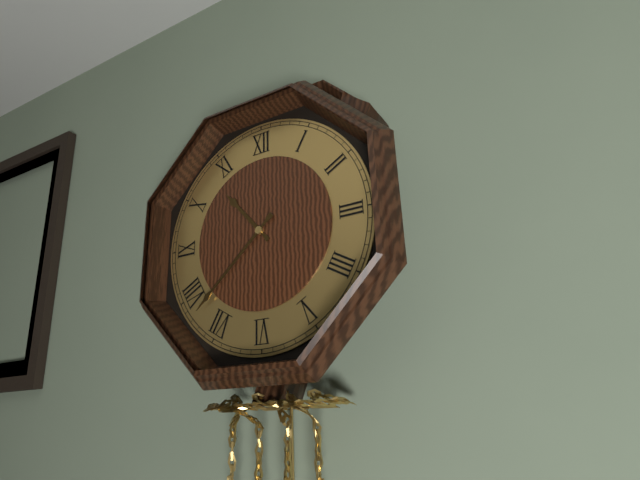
10:38
